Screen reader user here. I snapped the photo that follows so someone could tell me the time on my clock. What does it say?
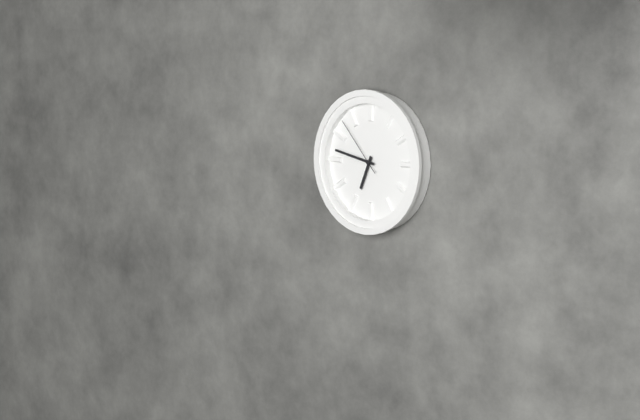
6:47:53
